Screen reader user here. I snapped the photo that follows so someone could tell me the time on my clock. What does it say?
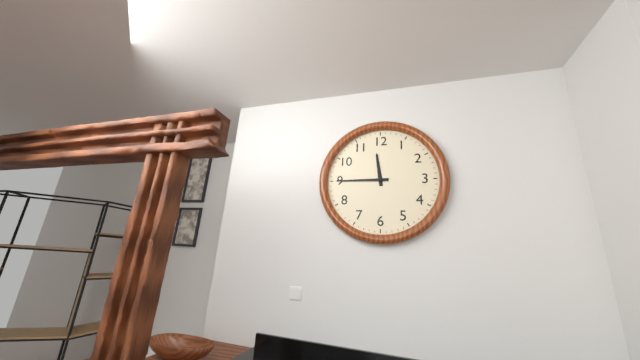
11:45
